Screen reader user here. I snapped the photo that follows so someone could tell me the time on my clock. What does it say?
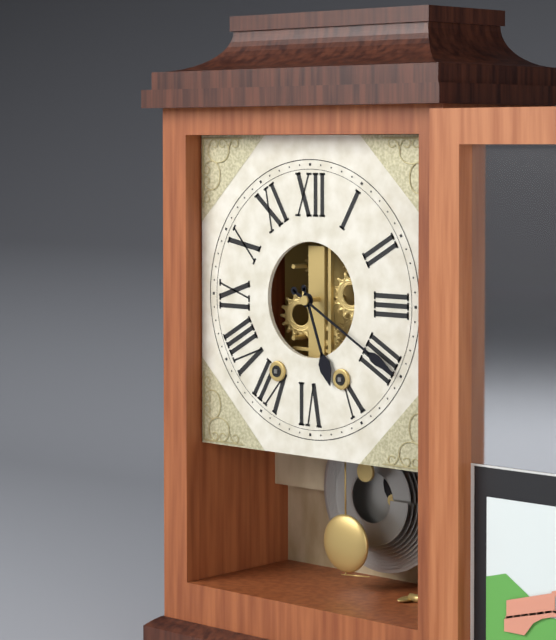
5:20
